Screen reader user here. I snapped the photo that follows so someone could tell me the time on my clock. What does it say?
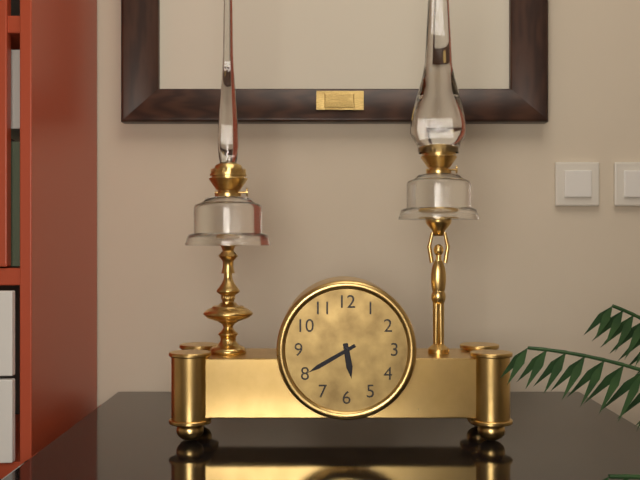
5:40
